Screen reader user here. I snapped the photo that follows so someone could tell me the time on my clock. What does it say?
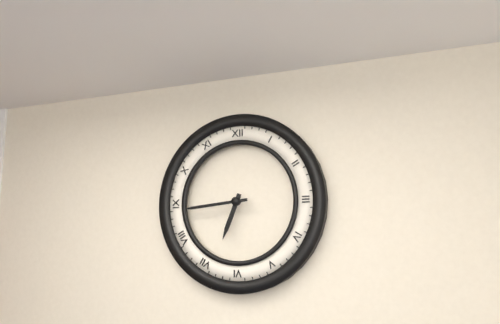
6:44
